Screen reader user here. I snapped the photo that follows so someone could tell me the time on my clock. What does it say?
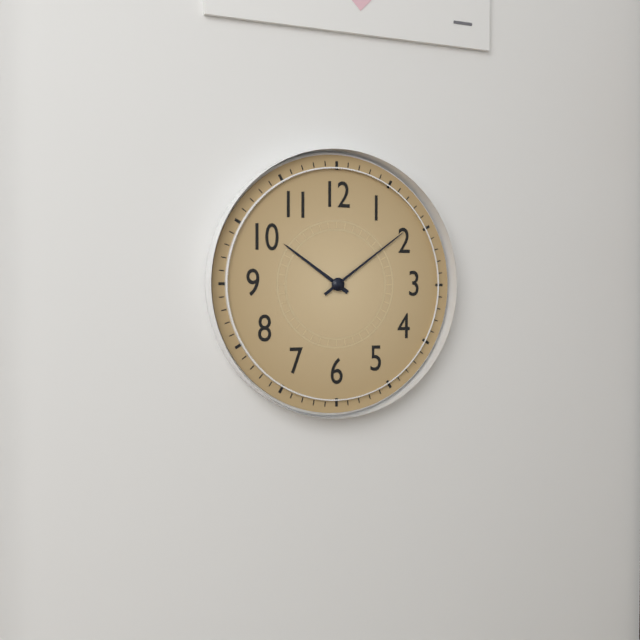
10:09
